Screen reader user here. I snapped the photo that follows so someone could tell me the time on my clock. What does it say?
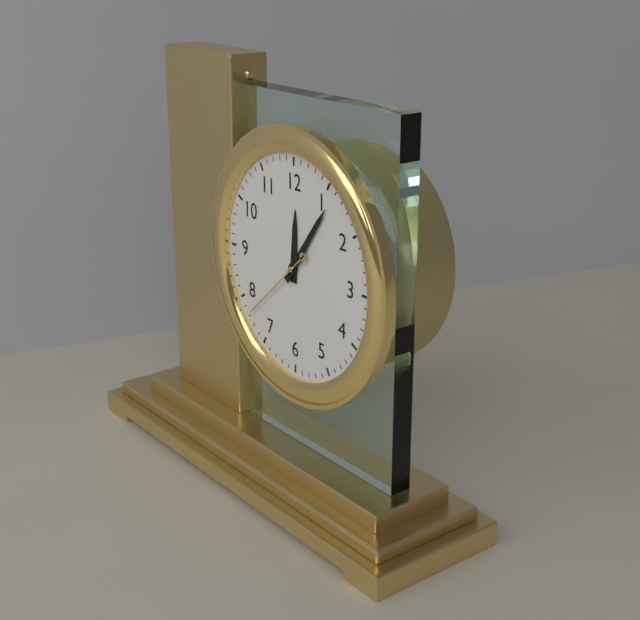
12:06:38
